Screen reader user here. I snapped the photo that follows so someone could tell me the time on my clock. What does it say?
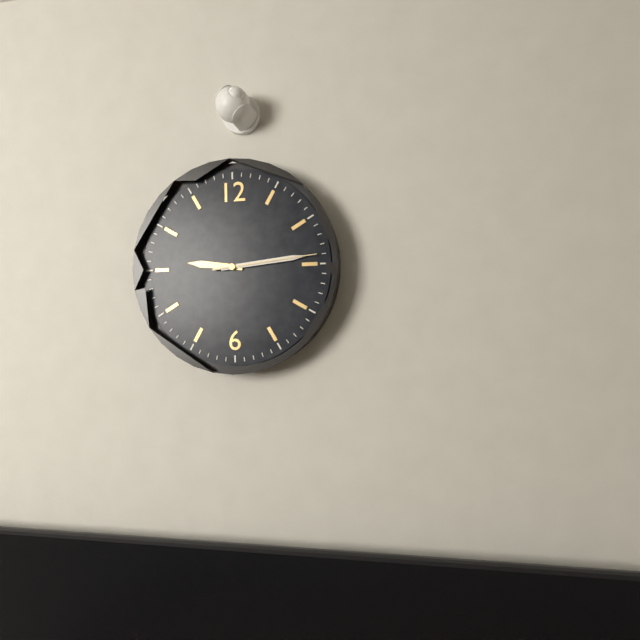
9:14:14
